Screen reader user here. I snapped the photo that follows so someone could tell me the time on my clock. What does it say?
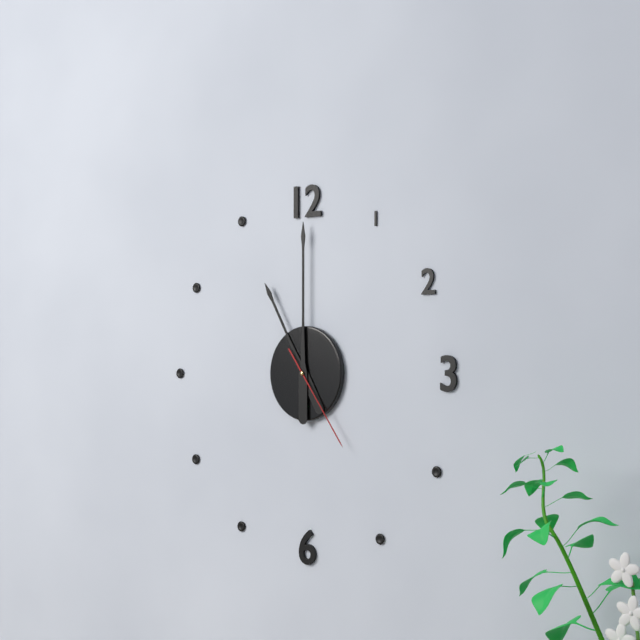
11:00:24
